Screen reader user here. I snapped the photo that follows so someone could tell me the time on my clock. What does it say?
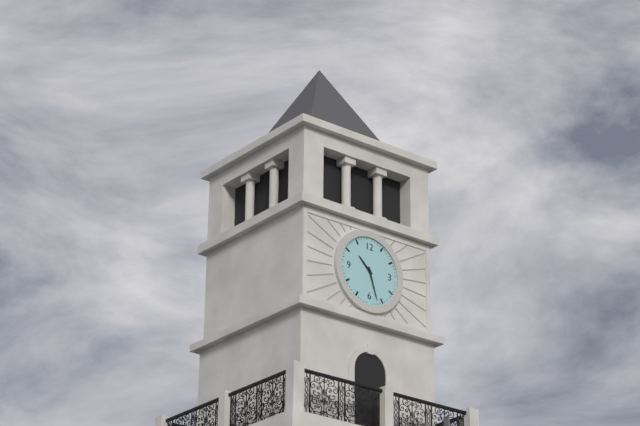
10:27
